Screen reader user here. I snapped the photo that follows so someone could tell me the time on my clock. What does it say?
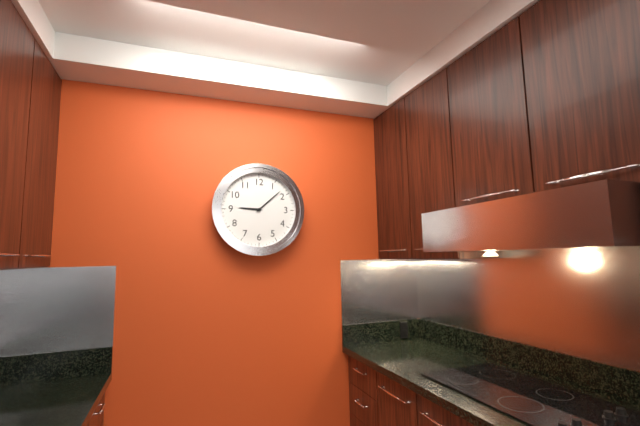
9:08
